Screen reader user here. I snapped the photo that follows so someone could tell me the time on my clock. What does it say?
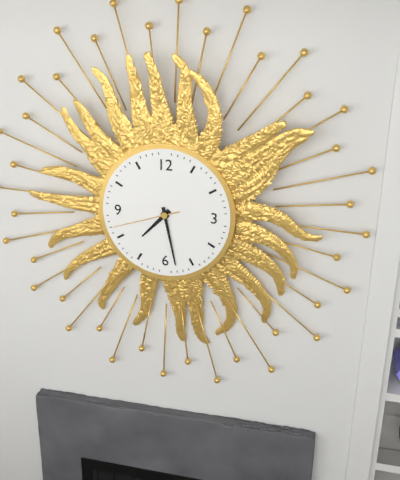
7:28:42
